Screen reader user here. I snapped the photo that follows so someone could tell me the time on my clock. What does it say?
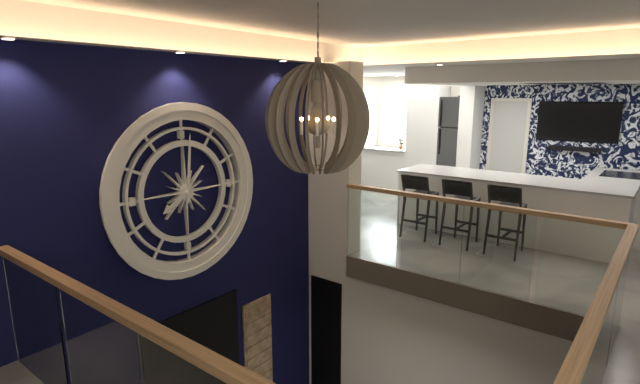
8:01
